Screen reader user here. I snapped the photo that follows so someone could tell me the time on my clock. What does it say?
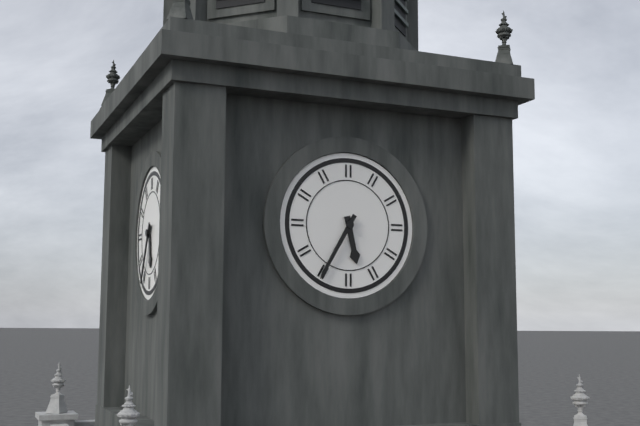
5:35
